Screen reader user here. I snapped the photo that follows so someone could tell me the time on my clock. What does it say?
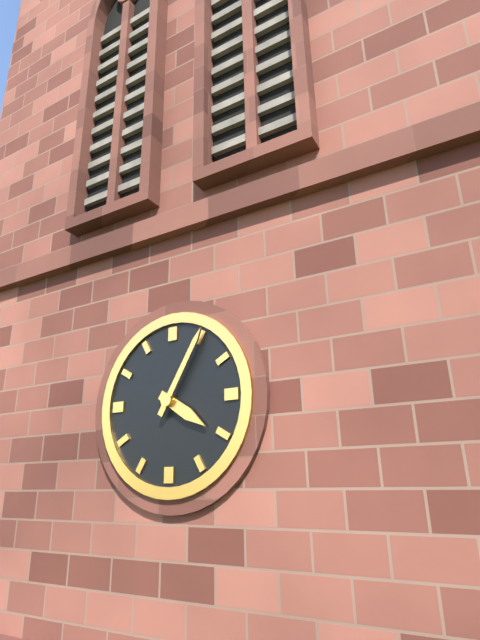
4:05
